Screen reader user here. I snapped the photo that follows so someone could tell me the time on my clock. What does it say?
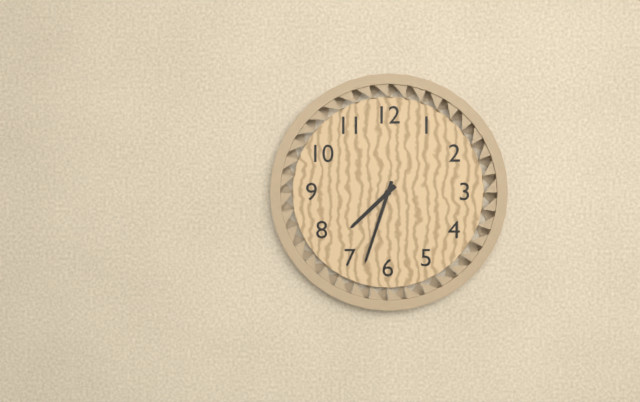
7:33
